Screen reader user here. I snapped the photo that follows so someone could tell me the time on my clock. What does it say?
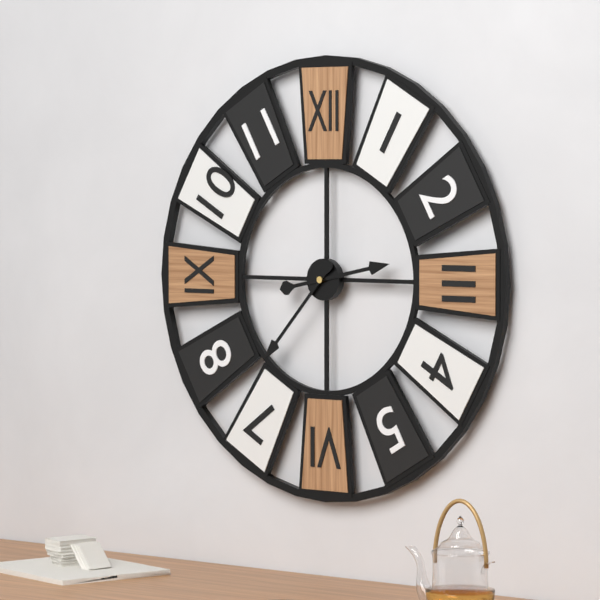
2:37
